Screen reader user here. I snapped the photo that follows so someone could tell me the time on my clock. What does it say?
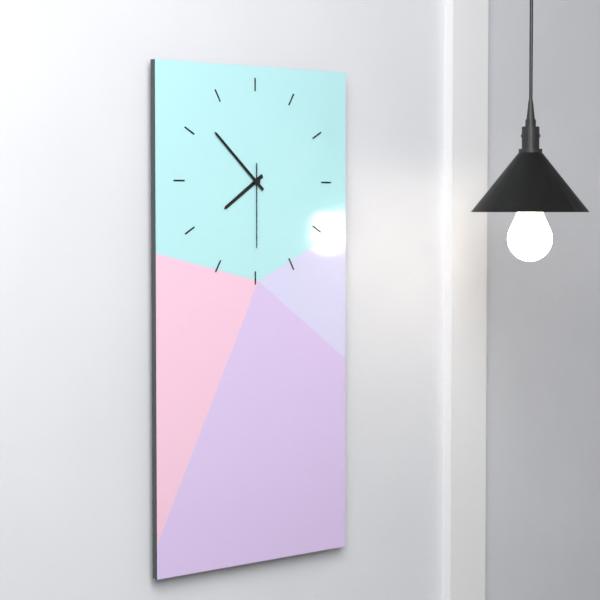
7:52:30
